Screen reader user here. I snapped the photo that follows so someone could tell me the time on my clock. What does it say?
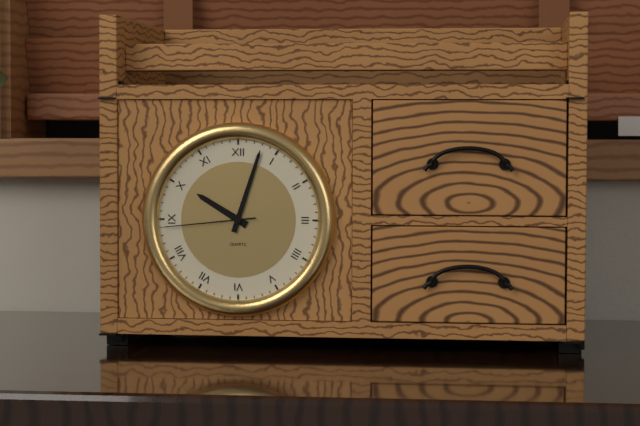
10:03:44
